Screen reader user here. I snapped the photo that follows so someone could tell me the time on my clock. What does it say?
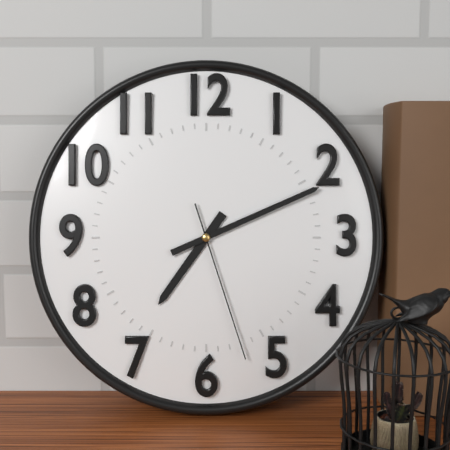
7:11:27
